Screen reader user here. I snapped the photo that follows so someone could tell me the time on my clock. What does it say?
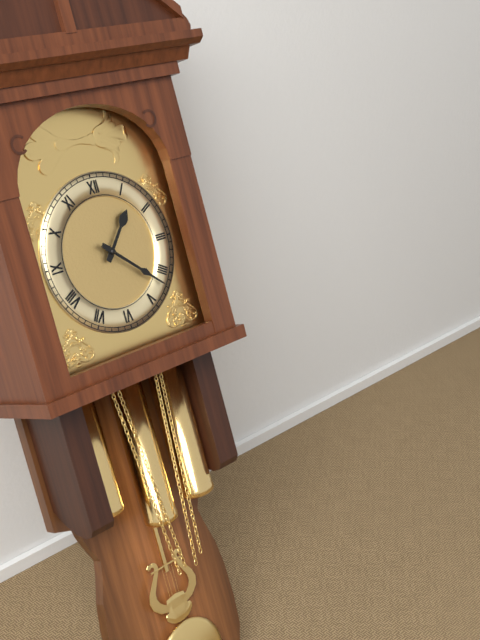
1:22
